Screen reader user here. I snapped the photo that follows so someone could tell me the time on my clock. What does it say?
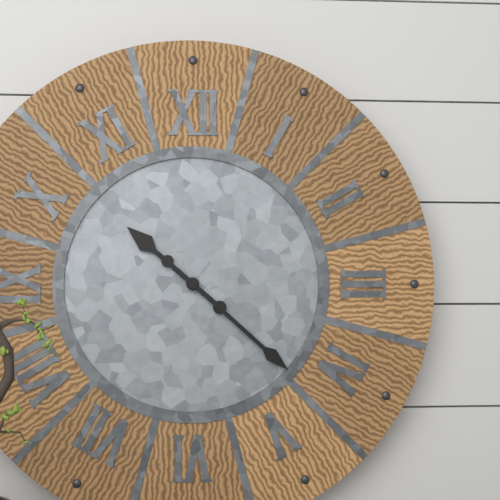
10:22
